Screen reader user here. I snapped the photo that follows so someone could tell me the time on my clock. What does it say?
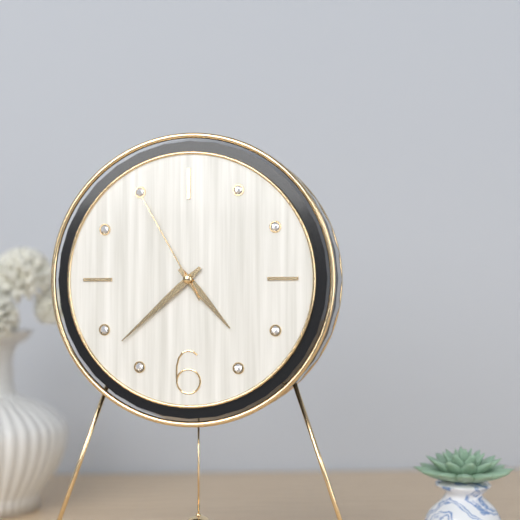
4:38:55
